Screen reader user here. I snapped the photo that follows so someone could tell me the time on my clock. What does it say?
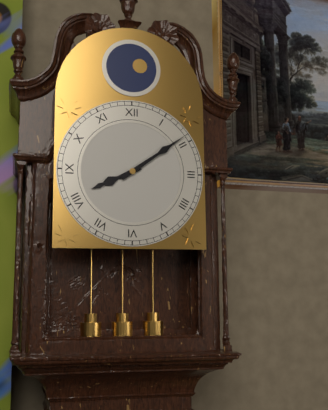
8:09
